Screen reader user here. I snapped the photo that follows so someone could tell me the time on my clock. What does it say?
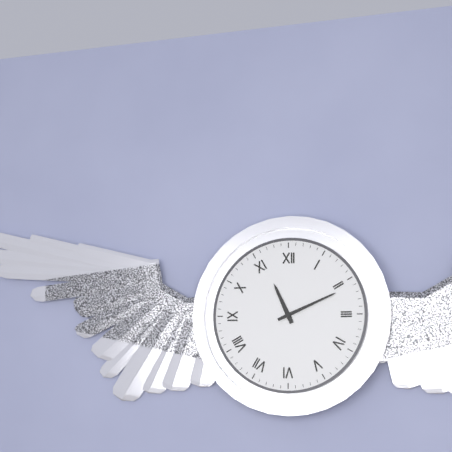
11:11
